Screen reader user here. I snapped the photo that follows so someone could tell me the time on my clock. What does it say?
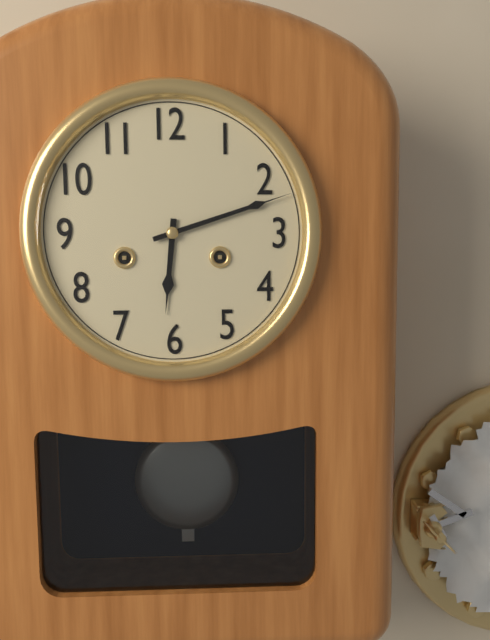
6:12
